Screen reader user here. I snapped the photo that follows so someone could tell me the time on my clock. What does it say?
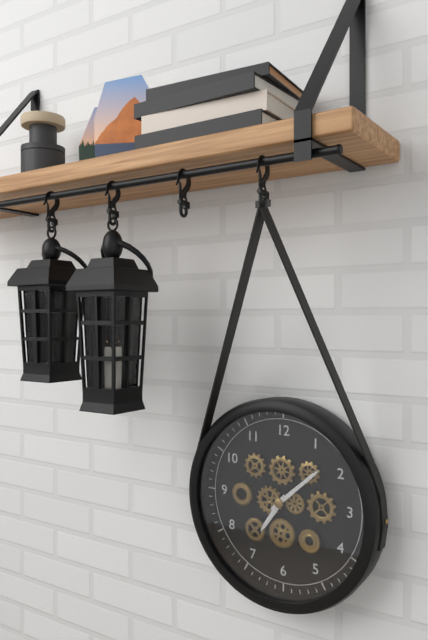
7:08
